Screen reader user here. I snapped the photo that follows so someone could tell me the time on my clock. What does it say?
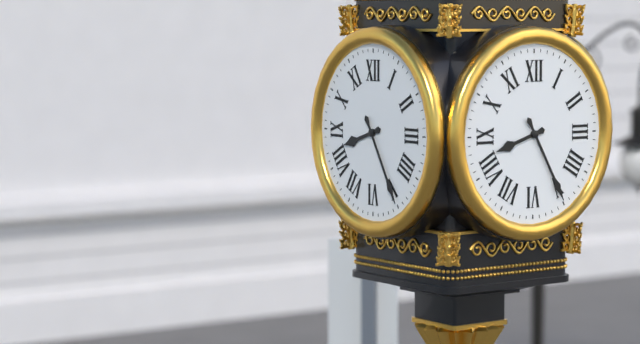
8:25
